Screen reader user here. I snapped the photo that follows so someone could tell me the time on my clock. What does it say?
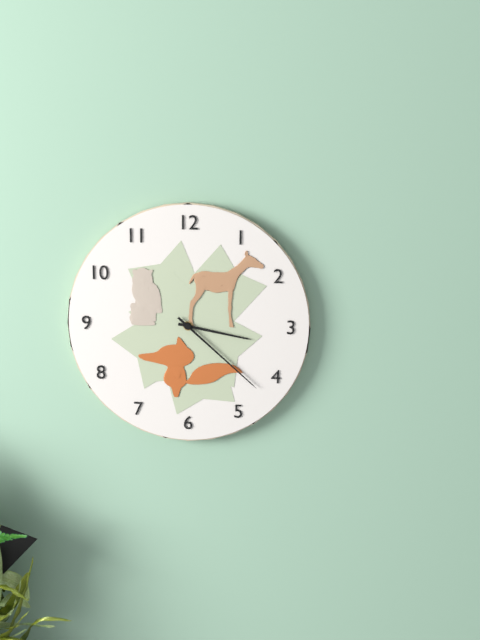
3:22
